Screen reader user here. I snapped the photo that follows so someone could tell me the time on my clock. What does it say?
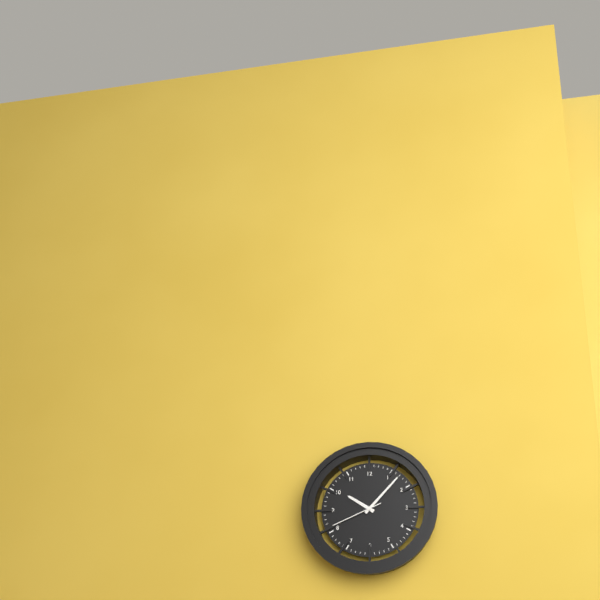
10:07:41
